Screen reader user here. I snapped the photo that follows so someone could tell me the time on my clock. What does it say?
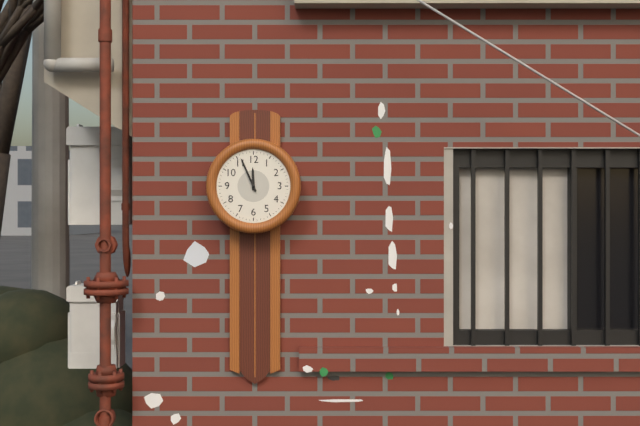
11:56
